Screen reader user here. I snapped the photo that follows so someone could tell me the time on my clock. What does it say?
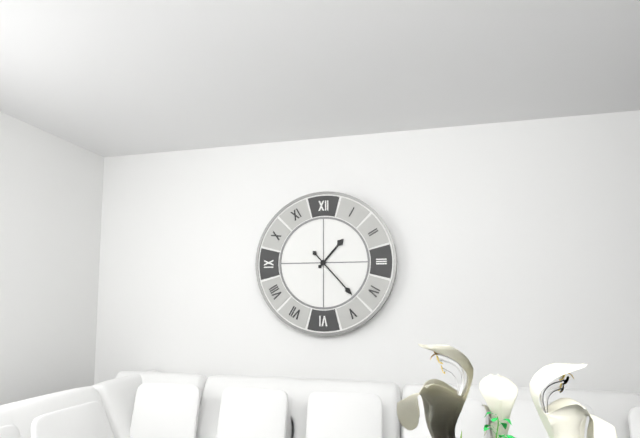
1:23
